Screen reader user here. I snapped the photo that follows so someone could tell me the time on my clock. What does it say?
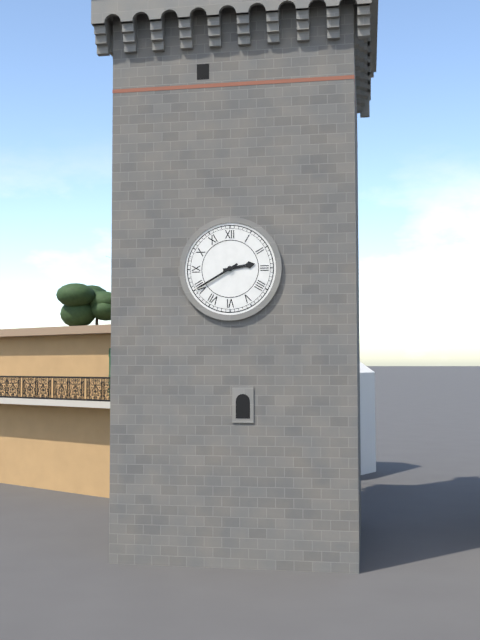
2:40
